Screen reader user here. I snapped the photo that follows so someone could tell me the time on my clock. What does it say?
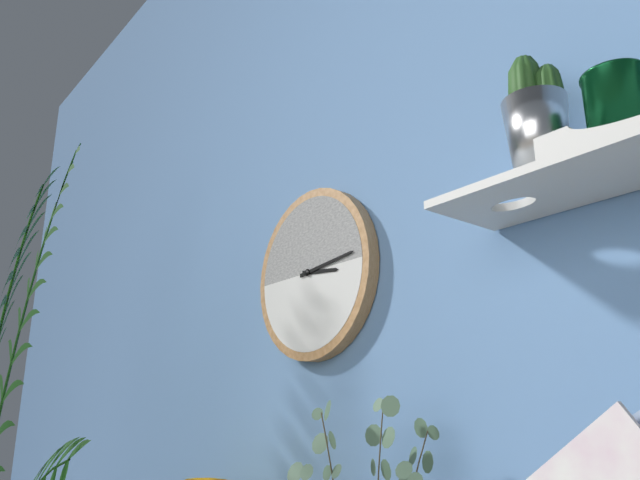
3:14
